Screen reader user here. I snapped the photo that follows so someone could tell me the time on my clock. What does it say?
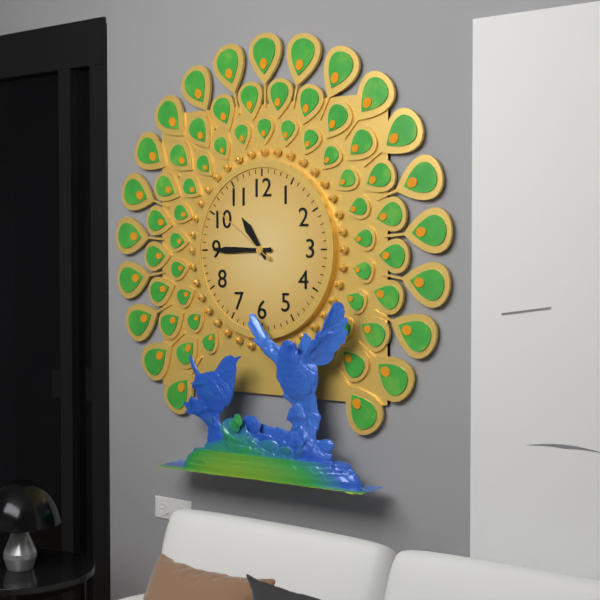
10:45:51
